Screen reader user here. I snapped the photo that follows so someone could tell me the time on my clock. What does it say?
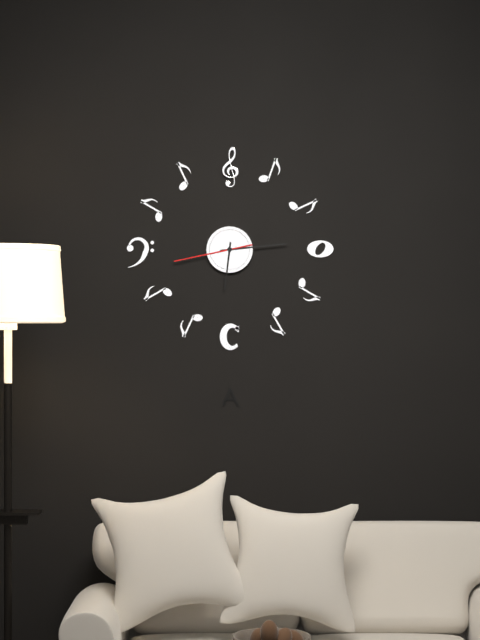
6:14:43
